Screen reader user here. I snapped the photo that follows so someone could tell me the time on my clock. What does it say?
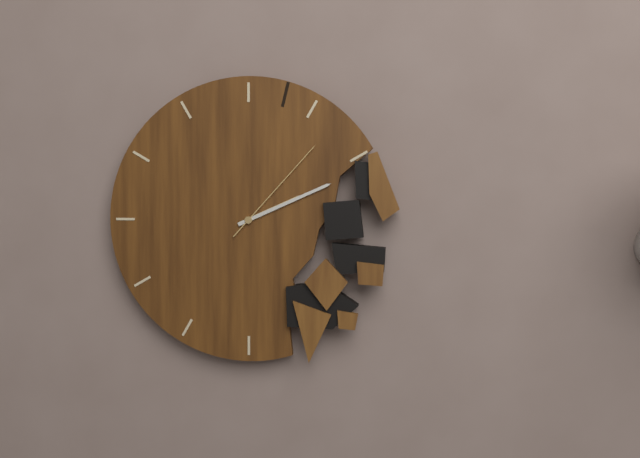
2:11:07
